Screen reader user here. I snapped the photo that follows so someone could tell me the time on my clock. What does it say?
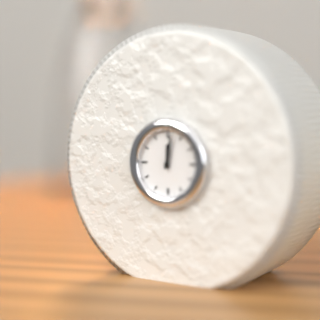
12:02
